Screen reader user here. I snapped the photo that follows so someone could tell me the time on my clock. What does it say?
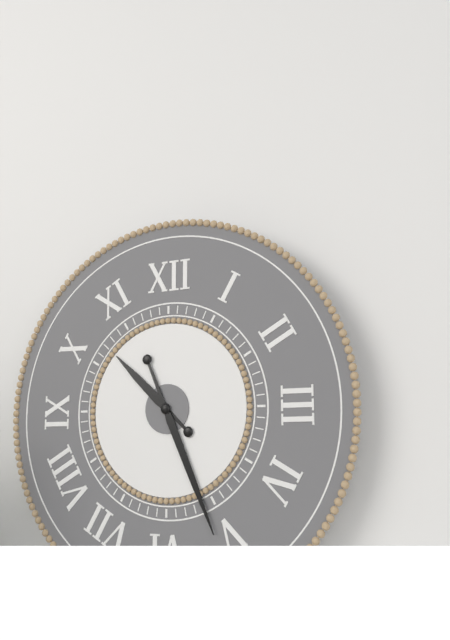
10:26
